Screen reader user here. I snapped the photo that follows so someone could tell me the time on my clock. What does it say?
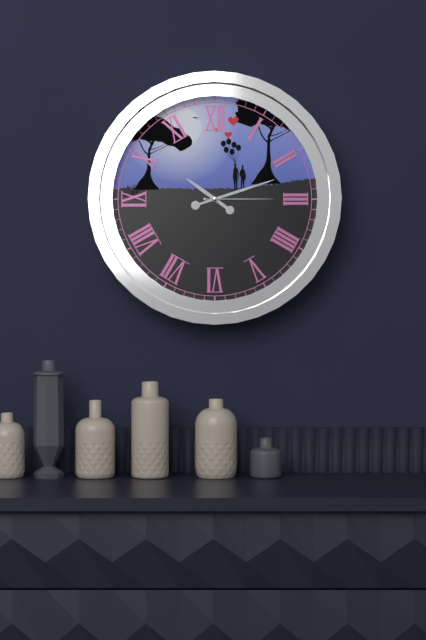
10:12:15
